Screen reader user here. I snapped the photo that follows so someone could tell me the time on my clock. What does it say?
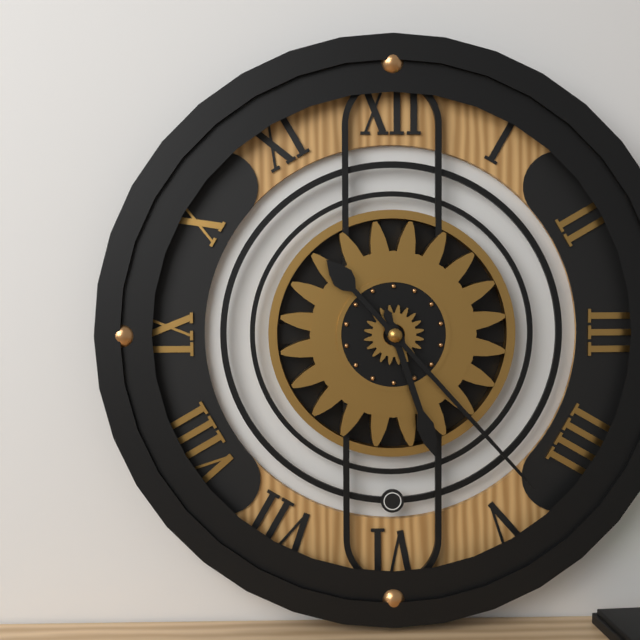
5:23
